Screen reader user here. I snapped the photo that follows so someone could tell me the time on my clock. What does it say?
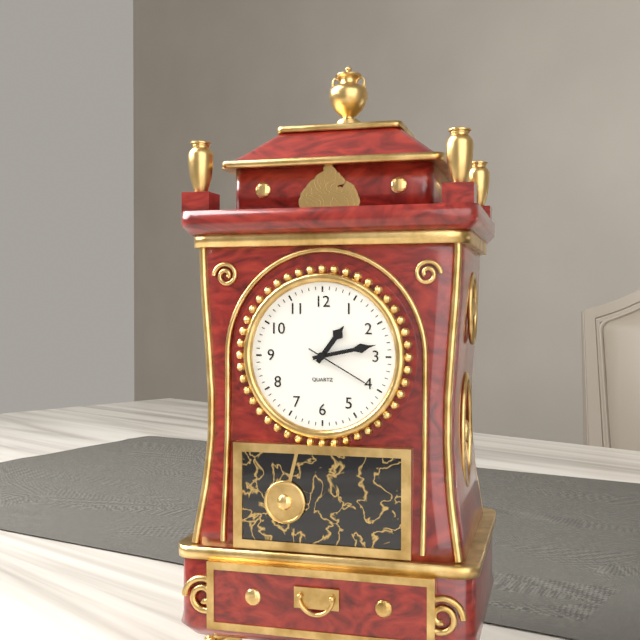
1:13:20
